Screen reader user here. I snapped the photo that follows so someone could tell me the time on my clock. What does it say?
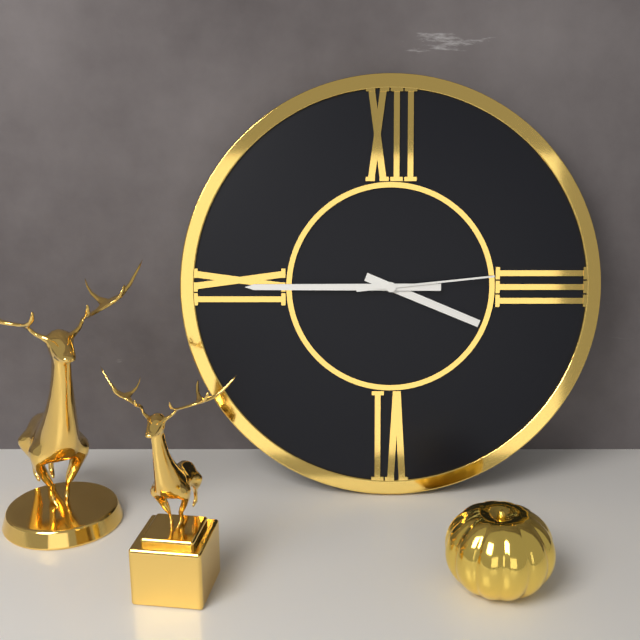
3:45:14
